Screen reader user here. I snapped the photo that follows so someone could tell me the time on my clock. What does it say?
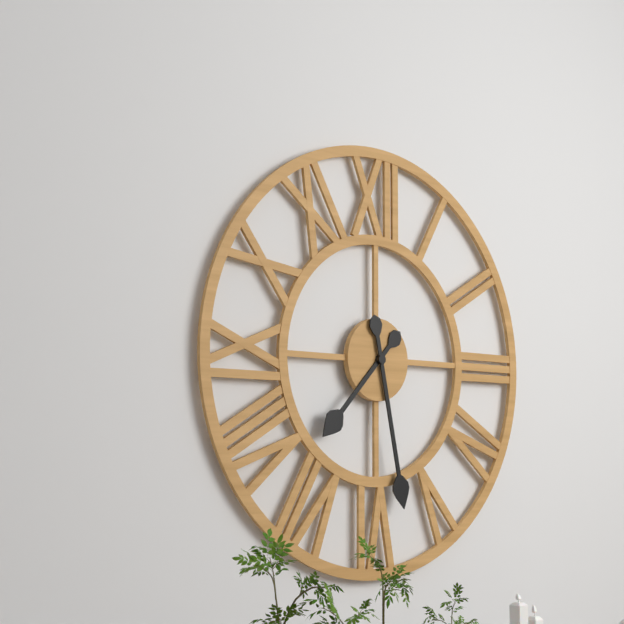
7:28
